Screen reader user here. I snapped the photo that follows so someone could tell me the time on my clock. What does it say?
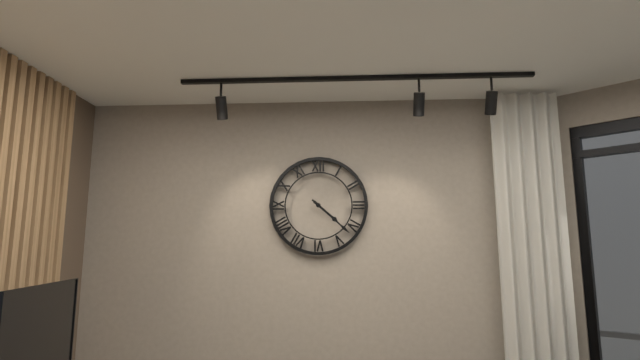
4:22
